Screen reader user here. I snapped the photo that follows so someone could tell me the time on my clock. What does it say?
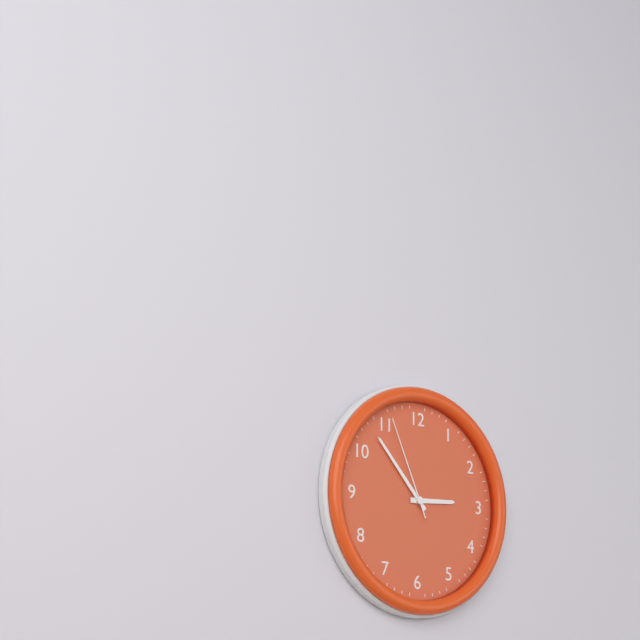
2:53:56
